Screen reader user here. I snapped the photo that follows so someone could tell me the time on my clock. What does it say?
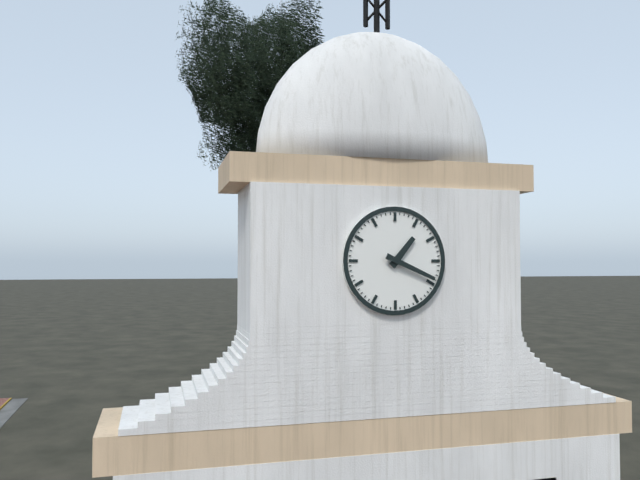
1:19
